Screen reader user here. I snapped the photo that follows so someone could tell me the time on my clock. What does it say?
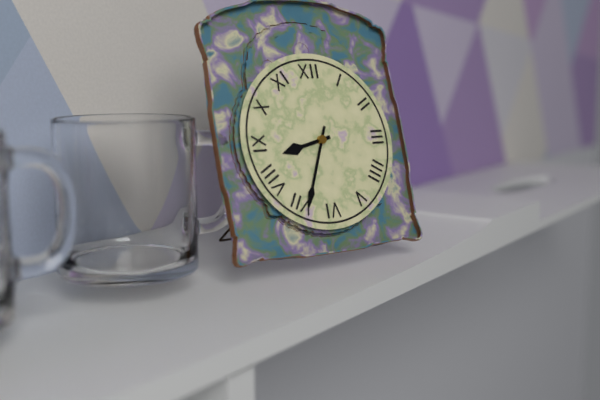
8:34
